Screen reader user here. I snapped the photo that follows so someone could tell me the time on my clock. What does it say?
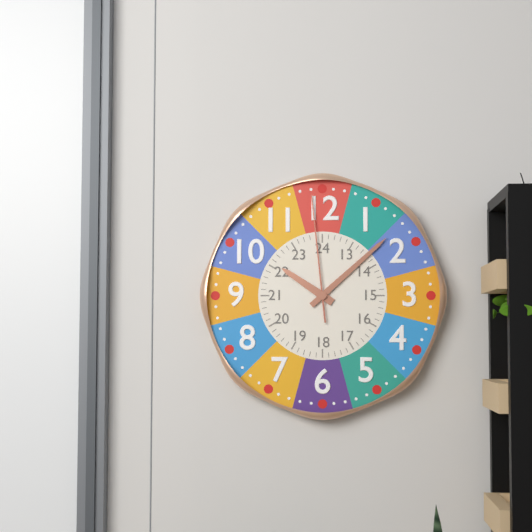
10:08:59
